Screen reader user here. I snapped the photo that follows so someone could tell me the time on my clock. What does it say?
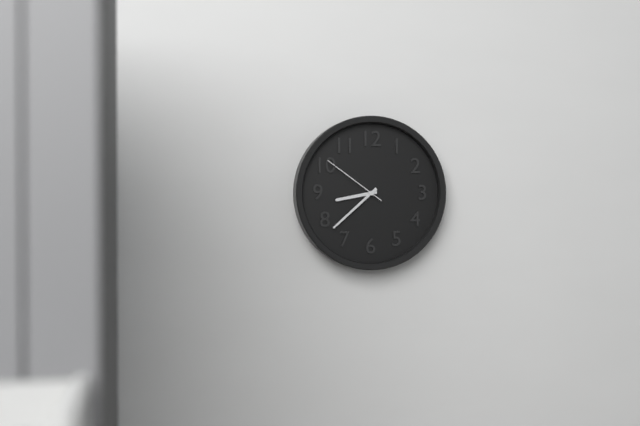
8:38:51
